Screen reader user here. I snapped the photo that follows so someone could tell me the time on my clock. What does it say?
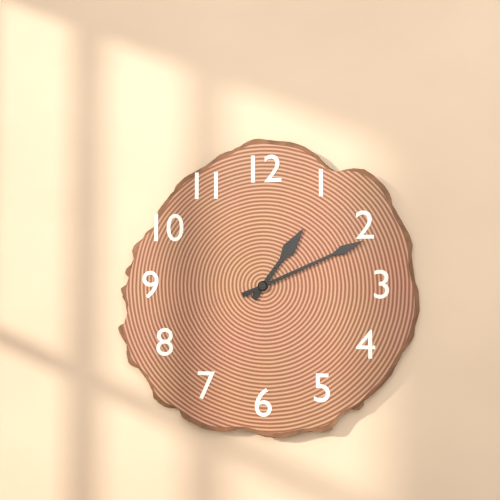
1:11
